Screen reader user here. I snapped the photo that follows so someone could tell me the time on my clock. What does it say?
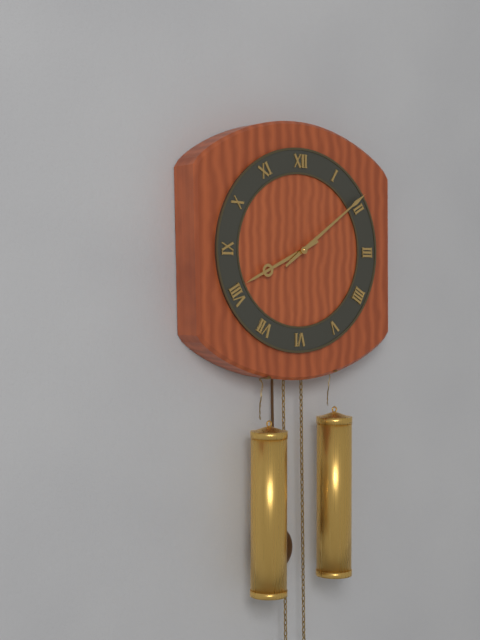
8:09
